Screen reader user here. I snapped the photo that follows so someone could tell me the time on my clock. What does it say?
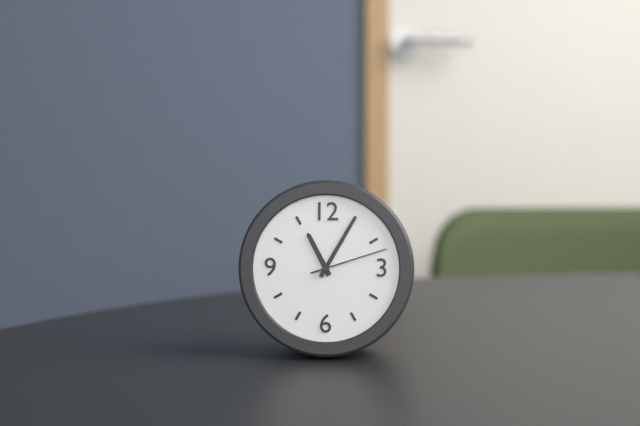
11:05:12
